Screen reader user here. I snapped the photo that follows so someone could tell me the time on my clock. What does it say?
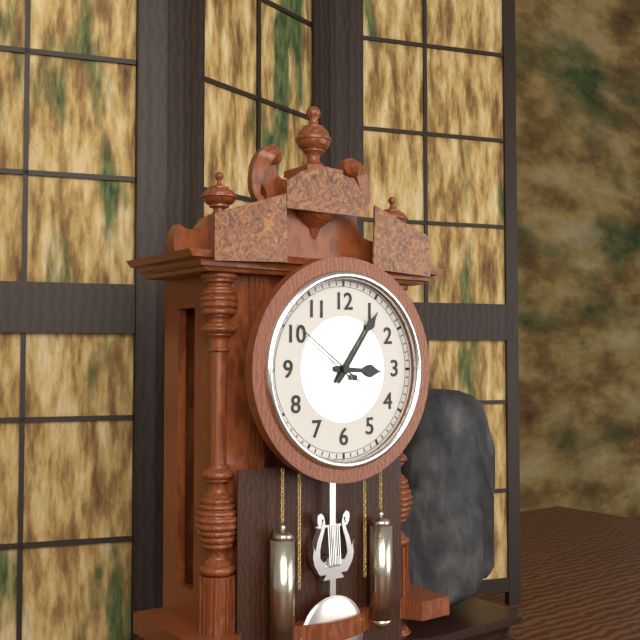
3:06:51
